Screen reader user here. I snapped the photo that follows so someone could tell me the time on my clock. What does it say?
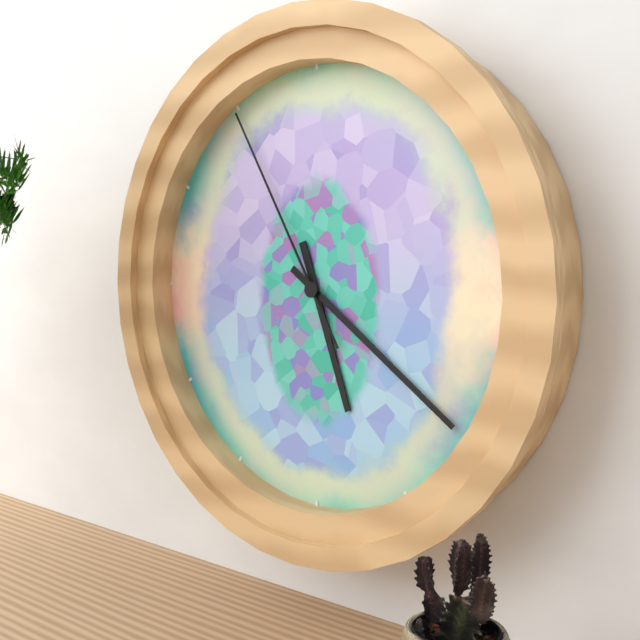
5:21:55
